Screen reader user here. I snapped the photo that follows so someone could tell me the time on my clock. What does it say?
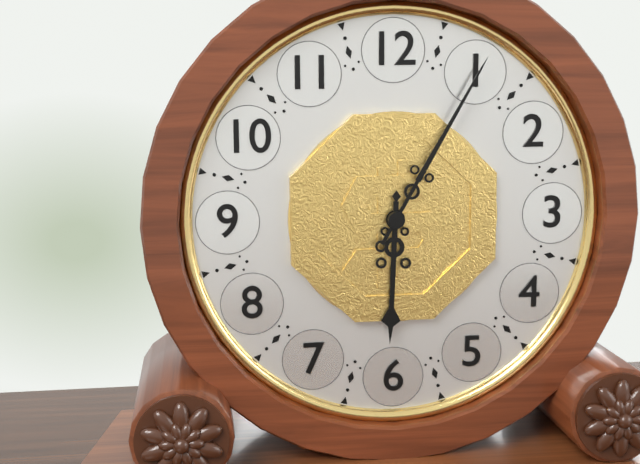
6:05
